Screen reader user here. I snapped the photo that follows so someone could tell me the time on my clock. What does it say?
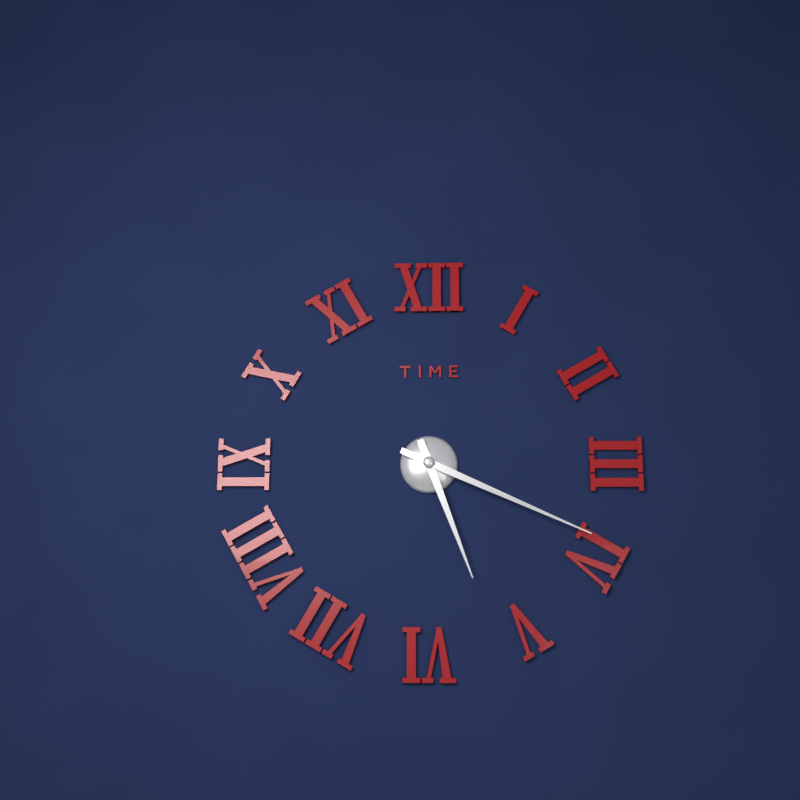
5:19
